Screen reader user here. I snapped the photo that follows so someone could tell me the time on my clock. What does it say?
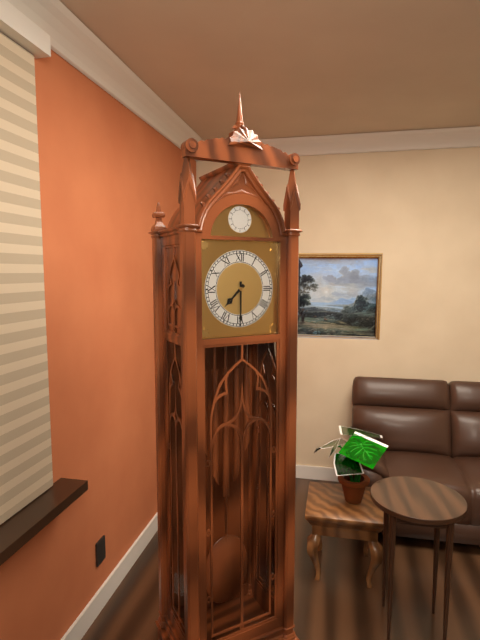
7:30
